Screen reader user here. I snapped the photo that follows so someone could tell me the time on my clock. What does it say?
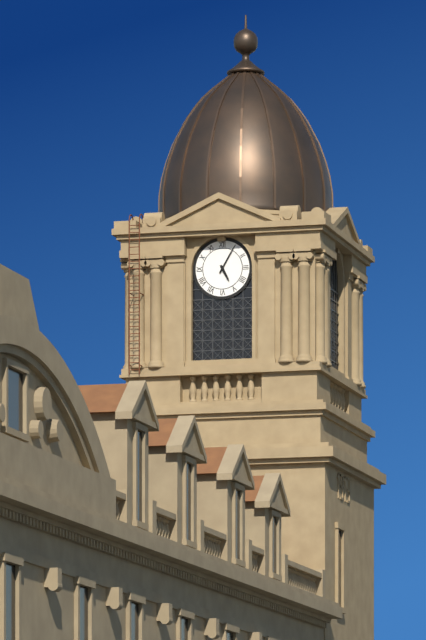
5:05
